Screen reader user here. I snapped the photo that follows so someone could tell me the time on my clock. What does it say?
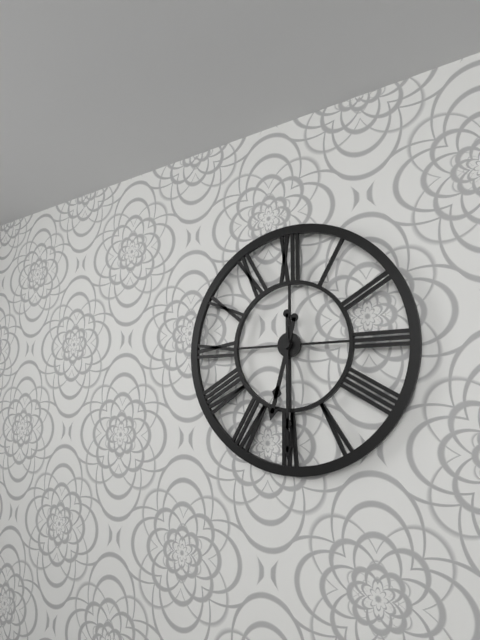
6:30
